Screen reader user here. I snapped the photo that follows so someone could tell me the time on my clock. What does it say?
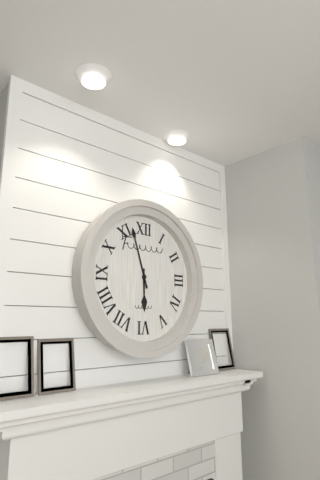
5:57
